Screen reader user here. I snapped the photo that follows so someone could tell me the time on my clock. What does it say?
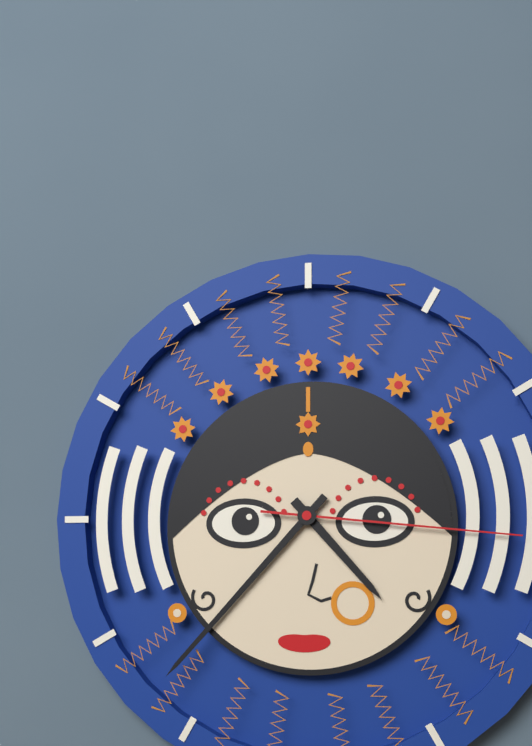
4:37:16
